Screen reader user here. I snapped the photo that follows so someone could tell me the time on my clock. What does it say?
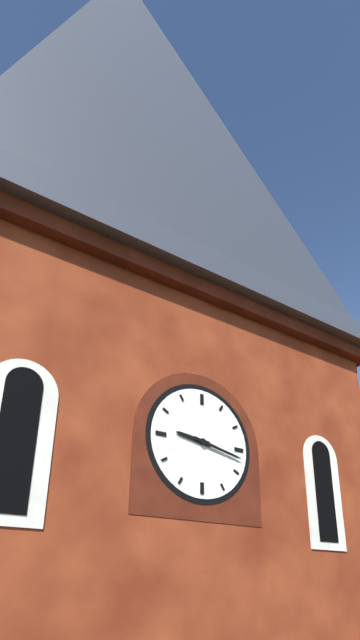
9:17
